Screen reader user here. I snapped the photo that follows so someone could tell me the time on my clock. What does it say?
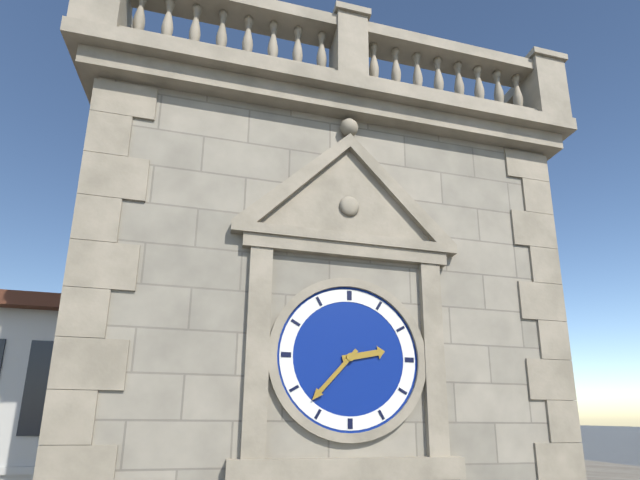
2:37
